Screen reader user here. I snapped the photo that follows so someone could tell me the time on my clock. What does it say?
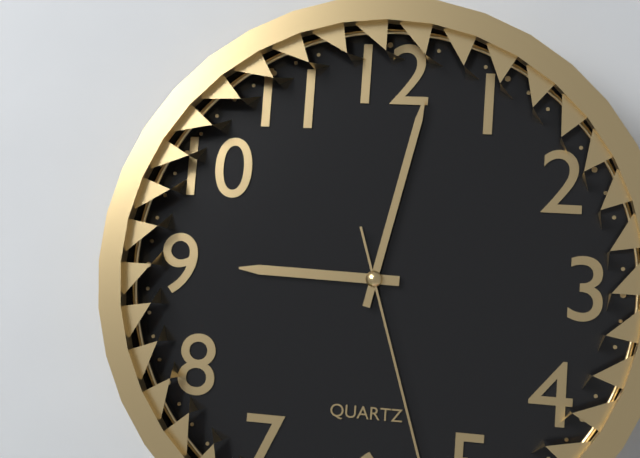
9:02
